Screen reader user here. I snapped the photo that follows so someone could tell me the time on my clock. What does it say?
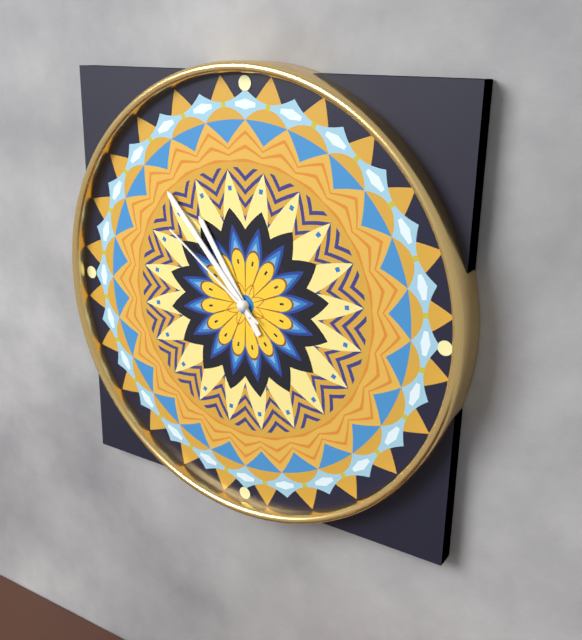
10:53:51
